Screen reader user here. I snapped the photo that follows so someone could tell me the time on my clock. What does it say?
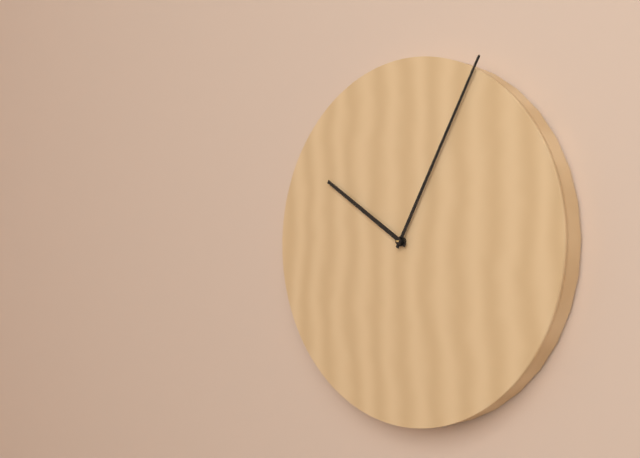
10:05
